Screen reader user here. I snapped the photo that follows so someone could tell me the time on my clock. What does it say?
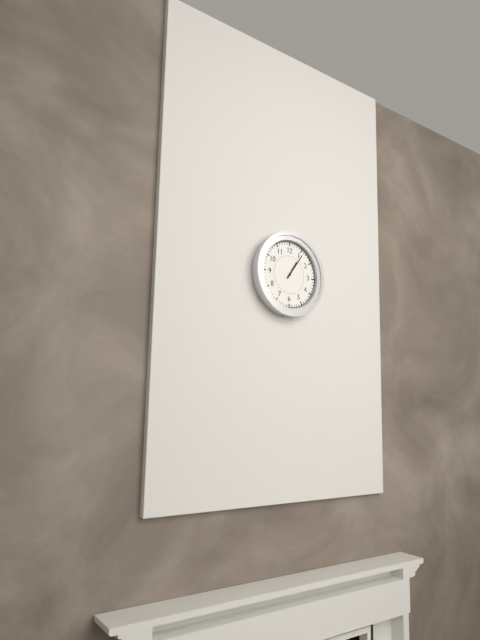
1:06
